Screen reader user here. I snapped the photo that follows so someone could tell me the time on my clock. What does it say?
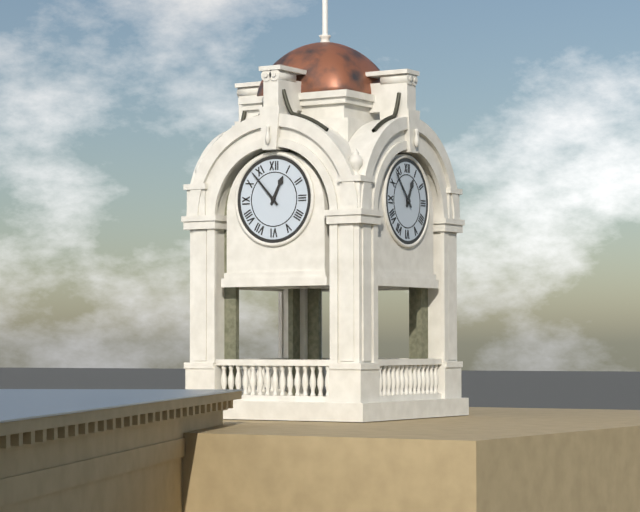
12:53
